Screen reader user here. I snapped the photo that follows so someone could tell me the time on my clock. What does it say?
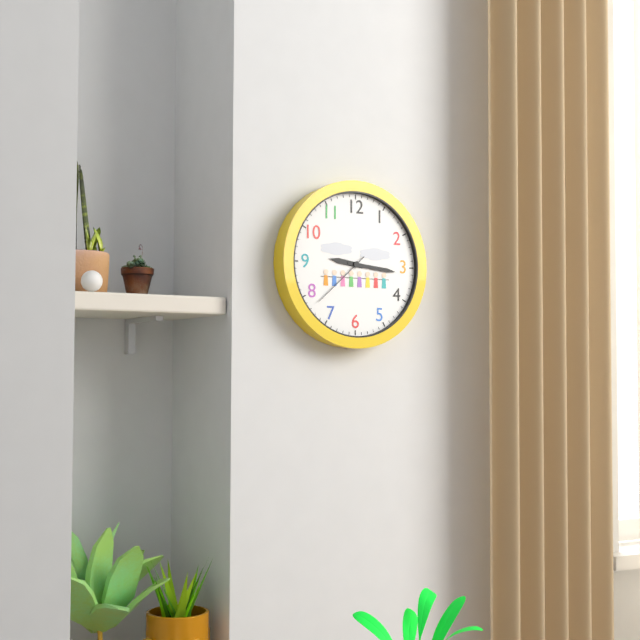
9:16:38
